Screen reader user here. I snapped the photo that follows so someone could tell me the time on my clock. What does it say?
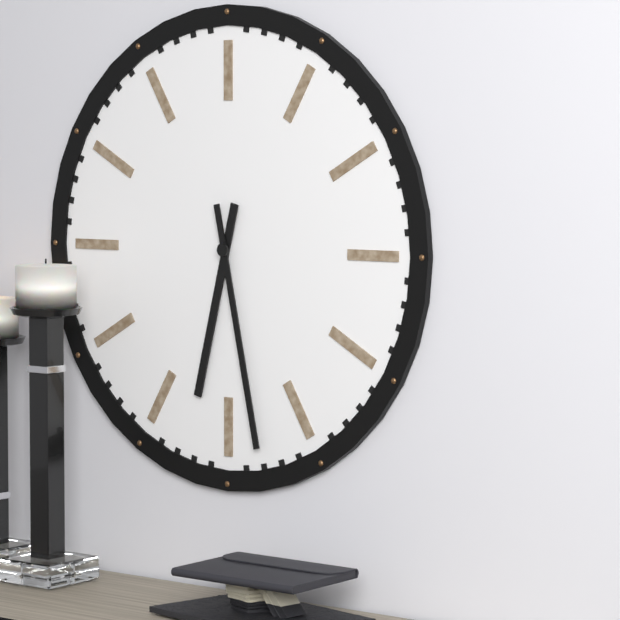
6:28
